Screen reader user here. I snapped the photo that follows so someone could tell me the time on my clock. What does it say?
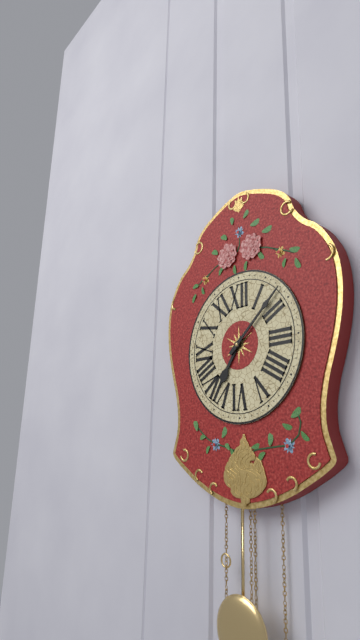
7:08
